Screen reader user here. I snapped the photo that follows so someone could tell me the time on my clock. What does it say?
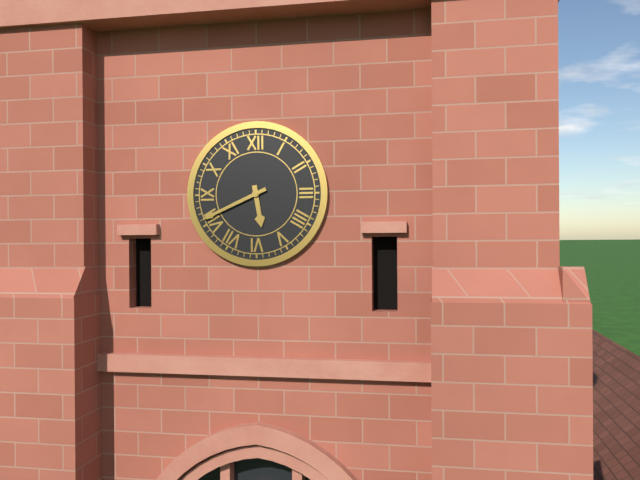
5:41
